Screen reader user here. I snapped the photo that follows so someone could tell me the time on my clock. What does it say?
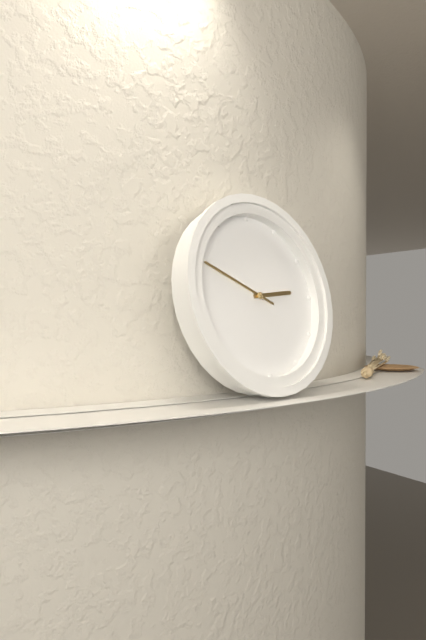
2:49
